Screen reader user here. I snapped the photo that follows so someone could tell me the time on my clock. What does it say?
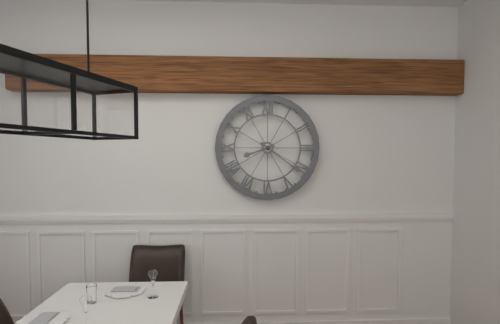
8:21
